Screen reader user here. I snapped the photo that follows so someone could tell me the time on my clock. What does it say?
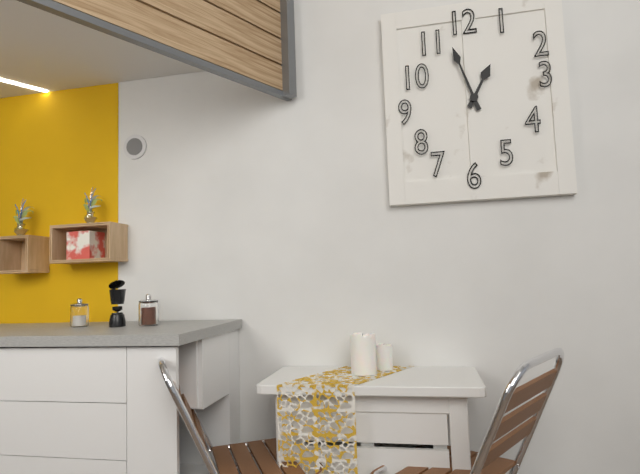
12:57
